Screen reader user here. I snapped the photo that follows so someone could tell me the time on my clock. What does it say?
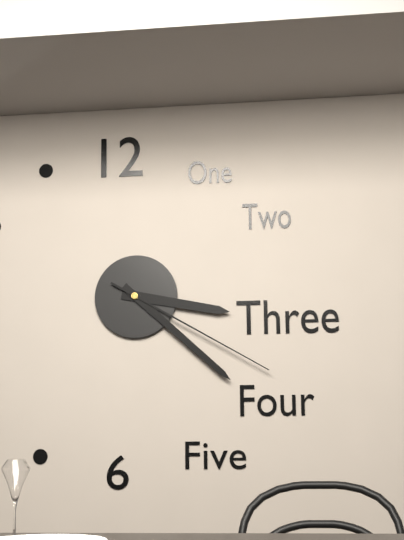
3:22:20
